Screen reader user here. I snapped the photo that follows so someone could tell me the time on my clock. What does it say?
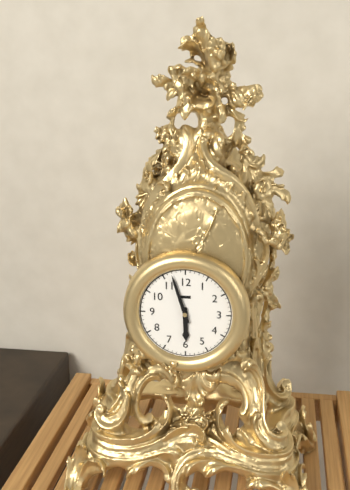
5:57
